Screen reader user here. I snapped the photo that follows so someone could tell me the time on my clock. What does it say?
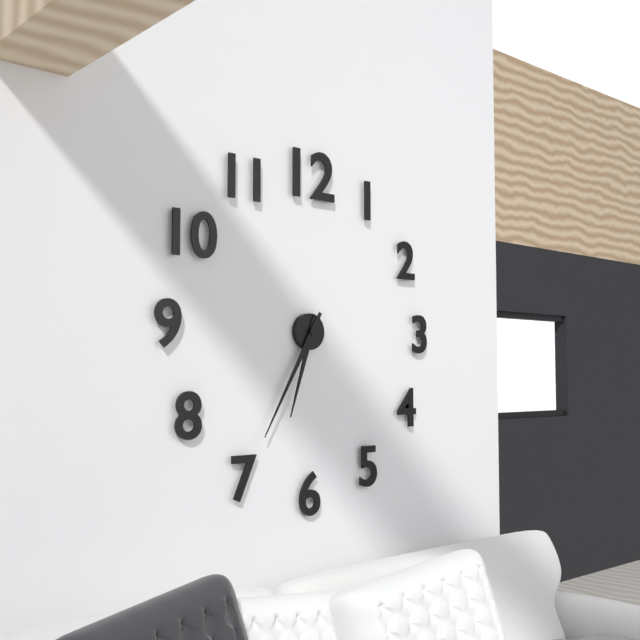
6:35
